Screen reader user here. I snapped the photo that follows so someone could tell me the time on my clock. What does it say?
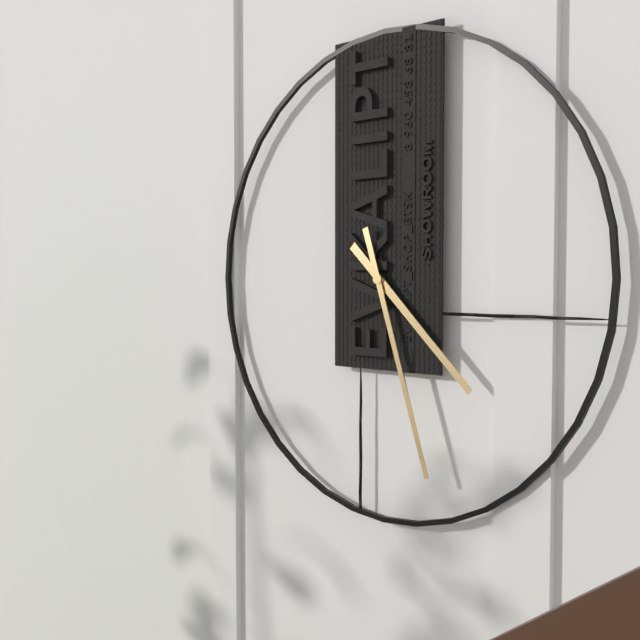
4:27
